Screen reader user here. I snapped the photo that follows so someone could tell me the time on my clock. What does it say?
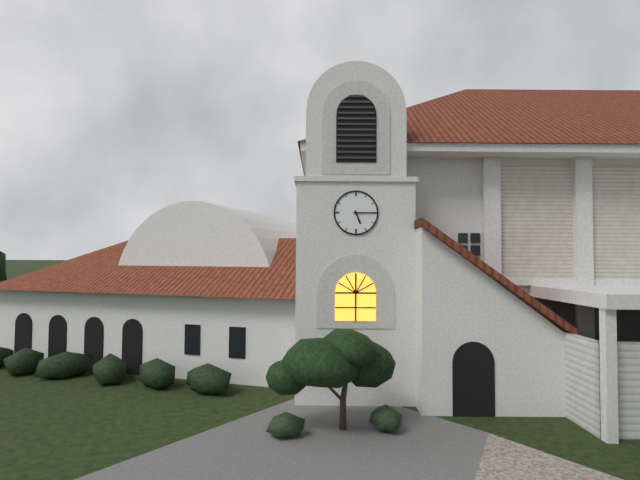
5:15
